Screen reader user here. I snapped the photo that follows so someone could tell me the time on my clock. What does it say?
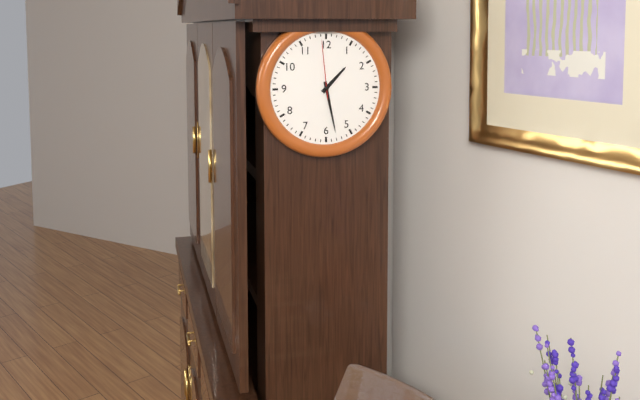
1:28:59
